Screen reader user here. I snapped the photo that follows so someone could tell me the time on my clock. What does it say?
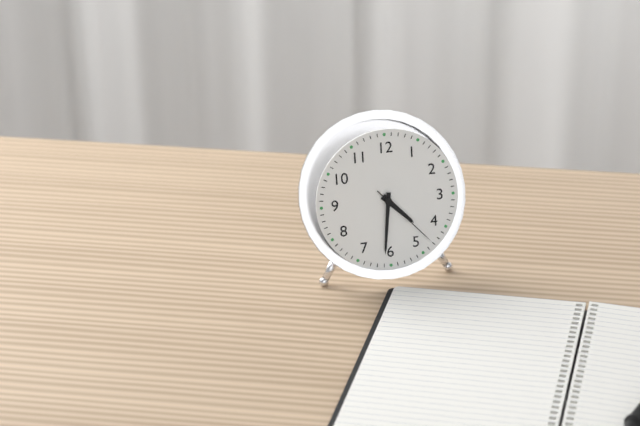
4:31:23
